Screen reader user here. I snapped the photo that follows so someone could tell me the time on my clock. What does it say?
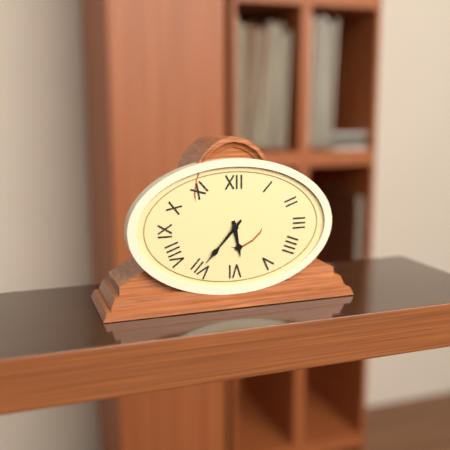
5:37
